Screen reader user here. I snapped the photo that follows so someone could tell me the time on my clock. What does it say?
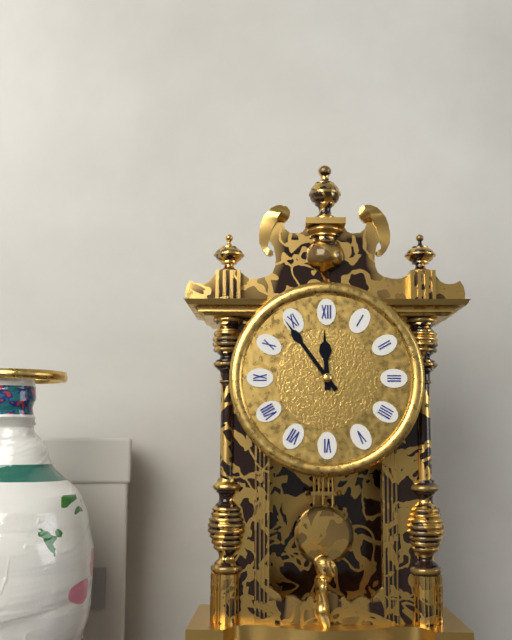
11:54
